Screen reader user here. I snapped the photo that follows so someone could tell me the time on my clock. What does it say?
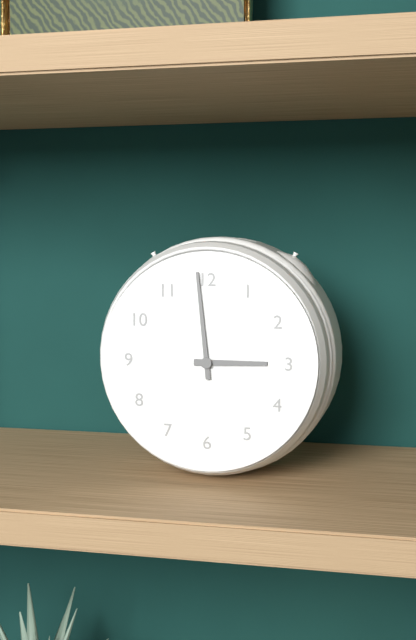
2:59
